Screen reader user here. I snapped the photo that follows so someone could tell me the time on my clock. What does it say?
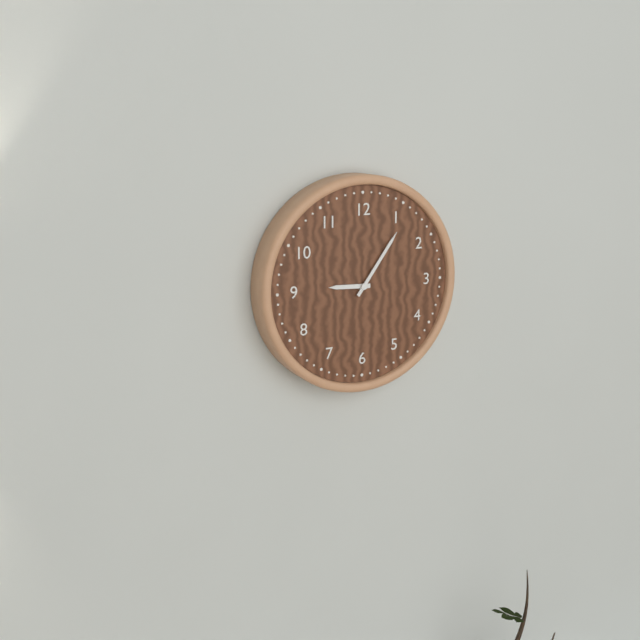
9:06
